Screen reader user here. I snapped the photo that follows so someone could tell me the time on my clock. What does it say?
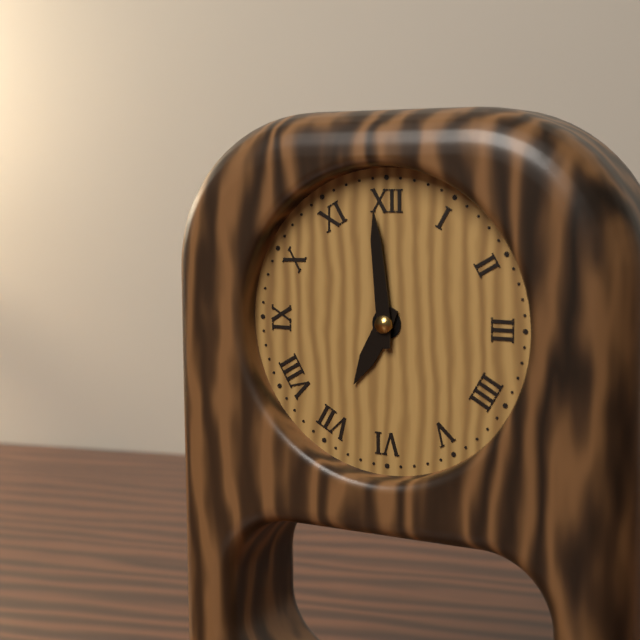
6:59
